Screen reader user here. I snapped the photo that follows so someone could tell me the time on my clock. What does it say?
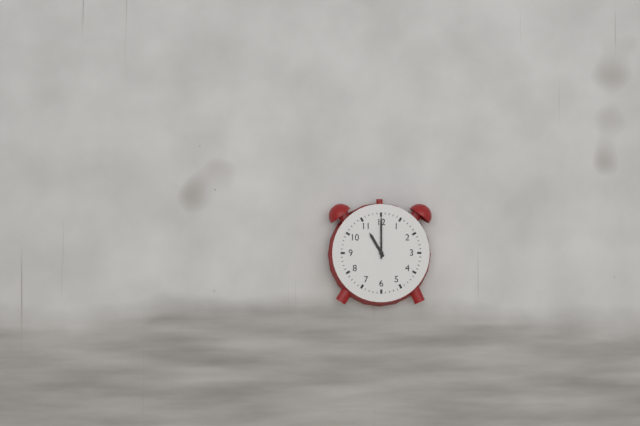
11:00
